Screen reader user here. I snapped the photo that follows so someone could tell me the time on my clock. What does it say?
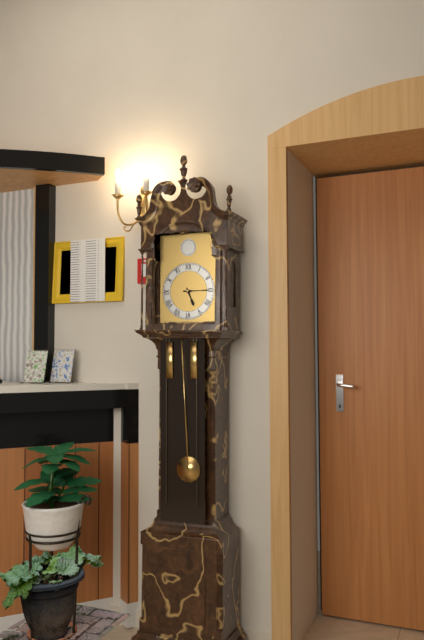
5:15
